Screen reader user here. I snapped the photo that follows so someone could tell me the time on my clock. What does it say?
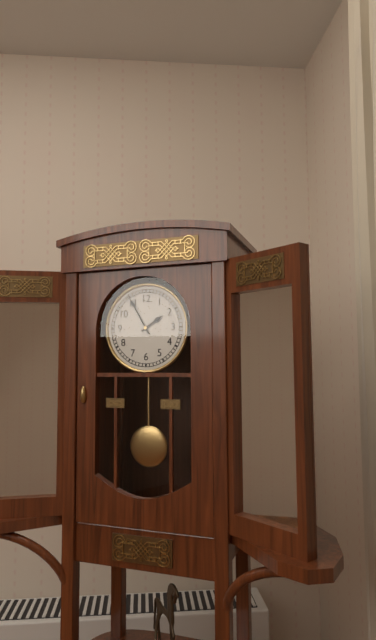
1:55
